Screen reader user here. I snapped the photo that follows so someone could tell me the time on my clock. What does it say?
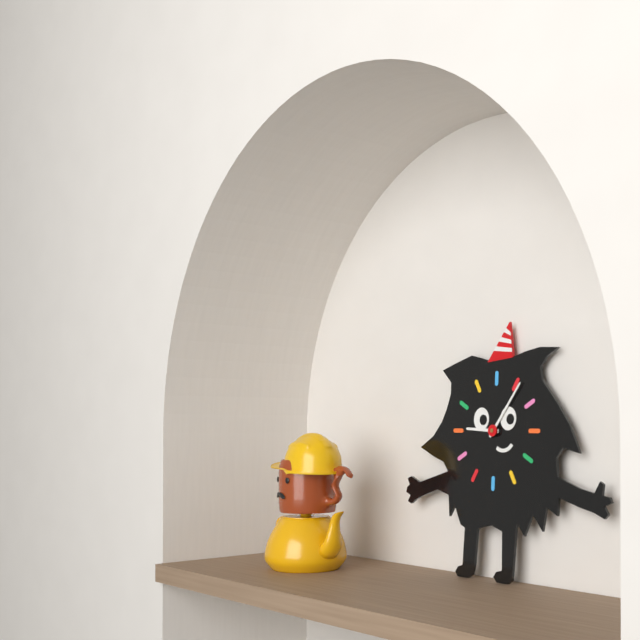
9:06
